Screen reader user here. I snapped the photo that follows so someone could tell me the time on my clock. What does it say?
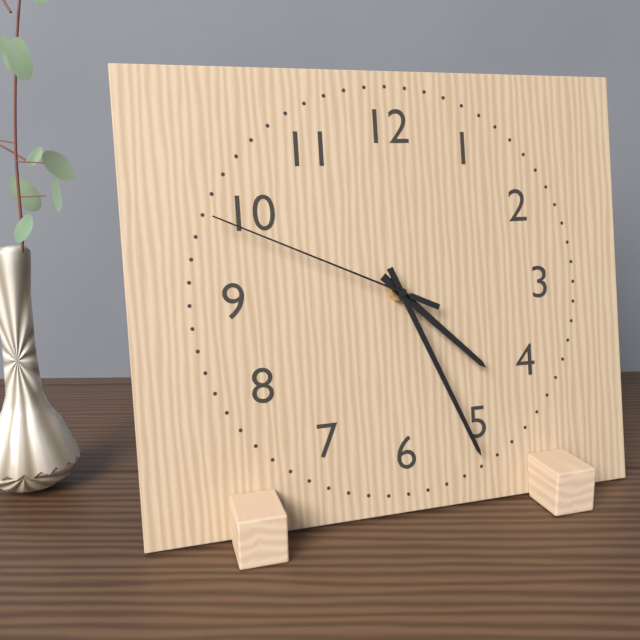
4:26:49
